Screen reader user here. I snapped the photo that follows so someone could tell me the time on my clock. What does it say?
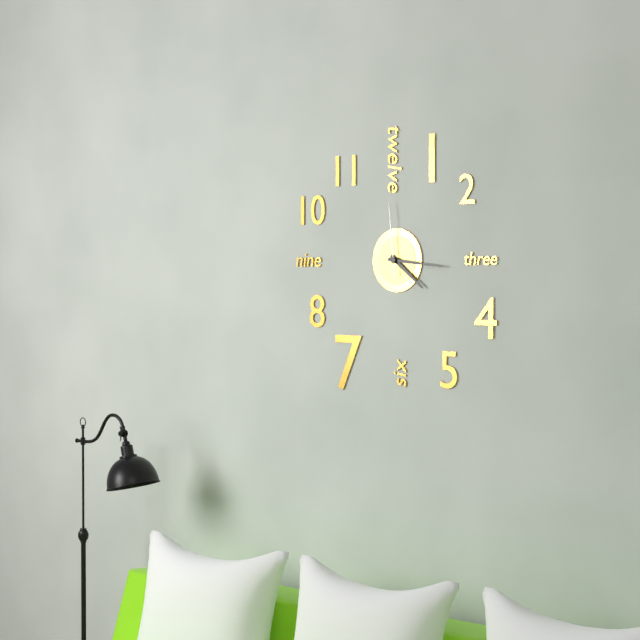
4:16:59
